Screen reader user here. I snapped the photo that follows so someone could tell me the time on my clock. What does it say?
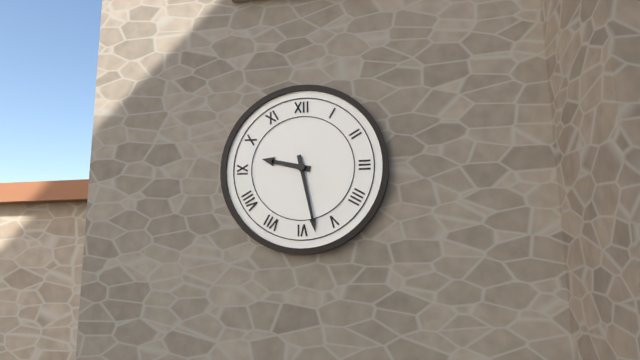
9:28
